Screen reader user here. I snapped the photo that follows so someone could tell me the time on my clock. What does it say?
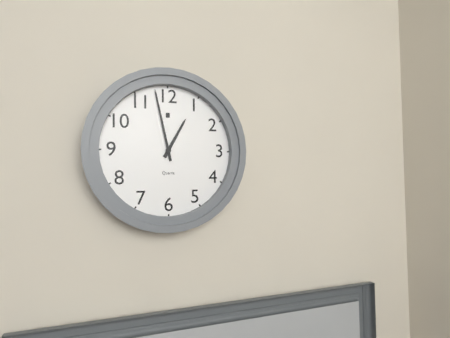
12:58
